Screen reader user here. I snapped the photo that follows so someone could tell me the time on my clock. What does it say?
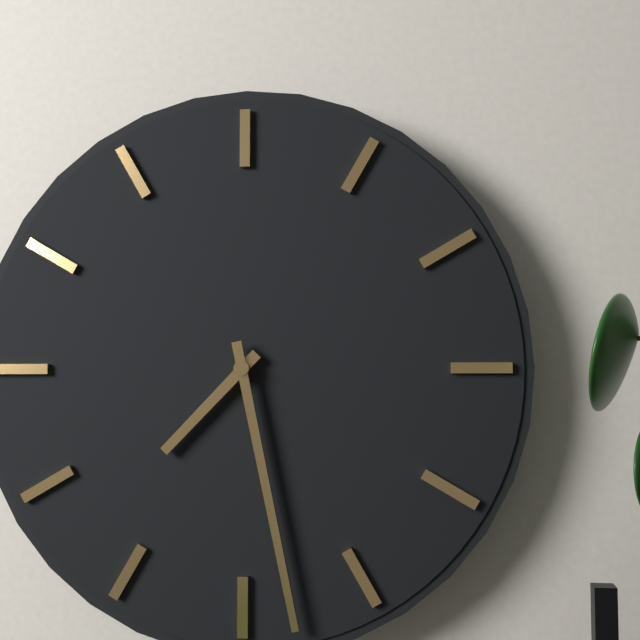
7:28
